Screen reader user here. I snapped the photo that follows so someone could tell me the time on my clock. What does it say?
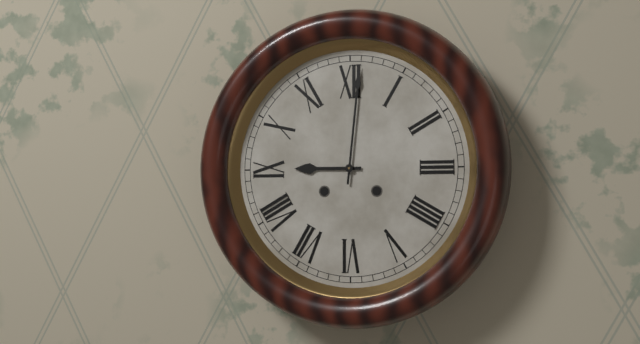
9:01
